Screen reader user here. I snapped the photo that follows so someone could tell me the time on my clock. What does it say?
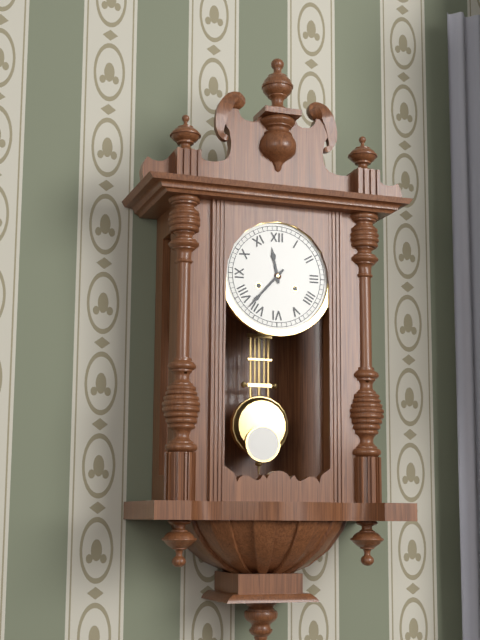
11:37
